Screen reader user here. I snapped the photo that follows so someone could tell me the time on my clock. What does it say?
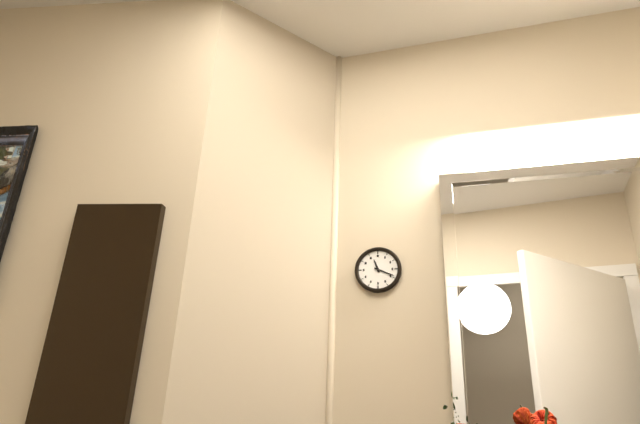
11:19
